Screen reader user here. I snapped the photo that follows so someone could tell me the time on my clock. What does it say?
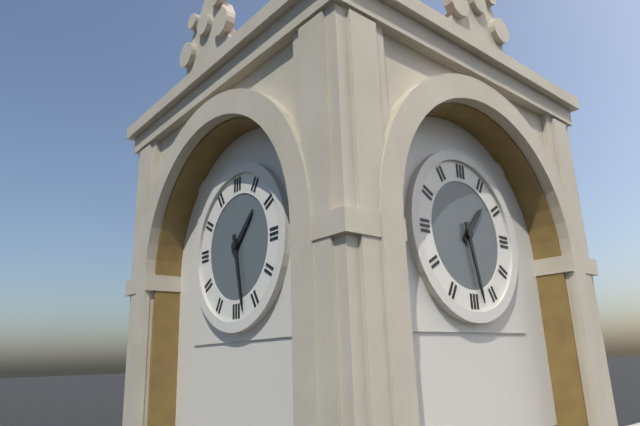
1:28
